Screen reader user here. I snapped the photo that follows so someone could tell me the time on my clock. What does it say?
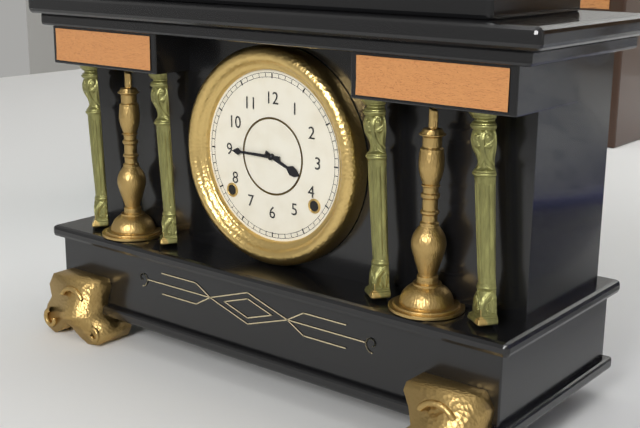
3:45
